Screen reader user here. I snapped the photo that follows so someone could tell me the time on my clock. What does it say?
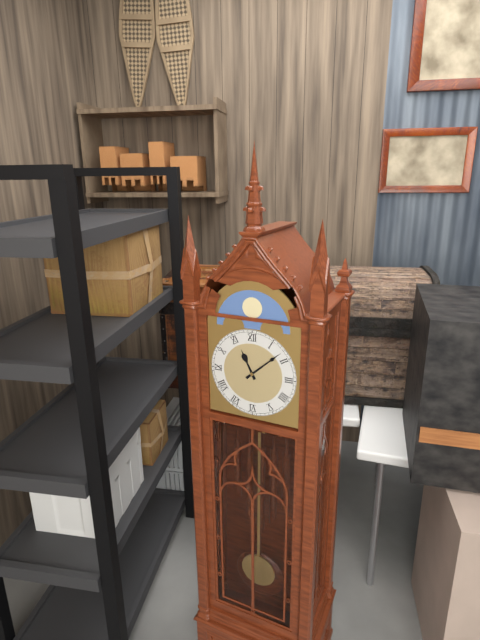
11:08
